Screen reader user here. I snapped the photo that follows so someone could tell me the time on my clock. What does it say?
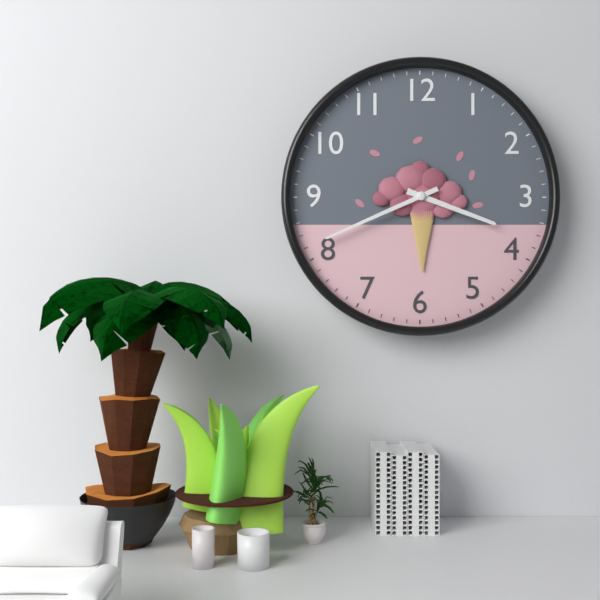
3:41
